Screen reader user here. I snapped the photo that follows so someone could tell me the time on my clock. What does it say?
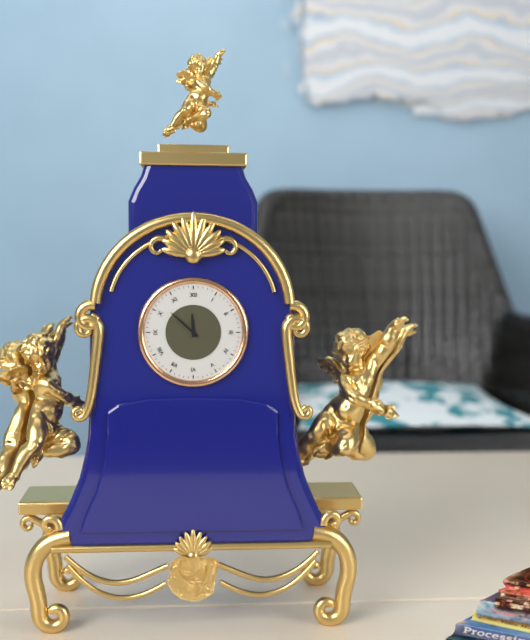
11:52
